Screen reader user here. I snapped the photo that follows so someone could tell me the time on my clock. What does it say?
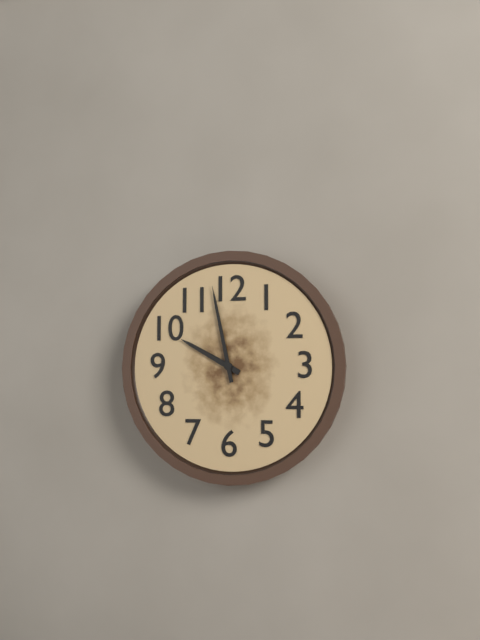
9:58
